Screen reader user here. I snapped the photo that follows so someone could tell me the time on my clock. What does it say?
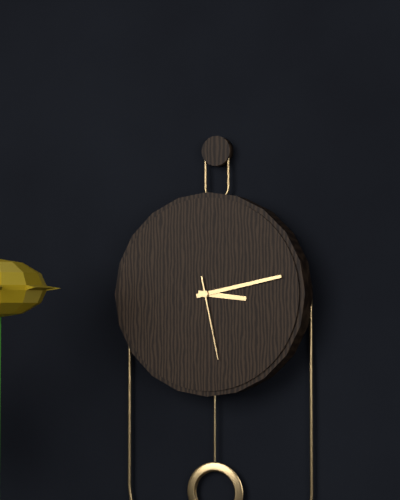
3:13:28
